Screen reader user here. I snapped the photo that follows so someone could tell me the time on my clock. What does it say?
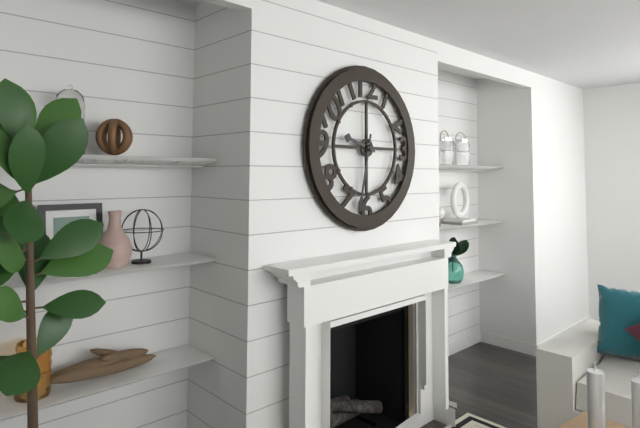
9:32
